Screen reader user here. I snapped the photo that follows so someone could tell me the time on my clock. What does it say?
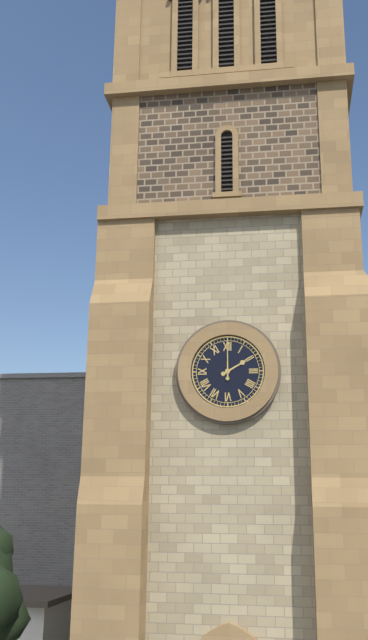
2:00
